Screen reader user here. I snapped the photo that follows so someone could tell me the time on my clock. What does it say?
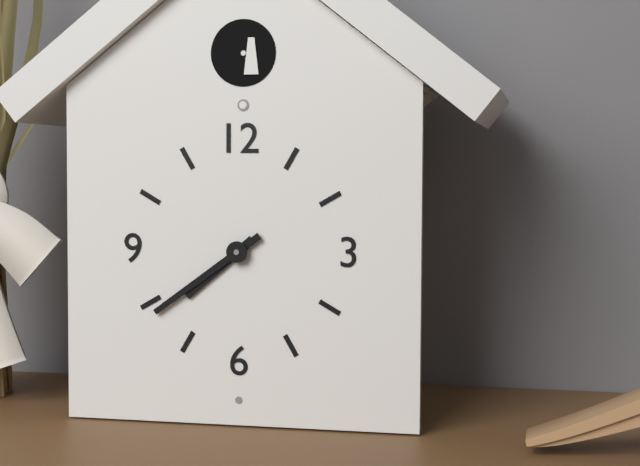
7:39
